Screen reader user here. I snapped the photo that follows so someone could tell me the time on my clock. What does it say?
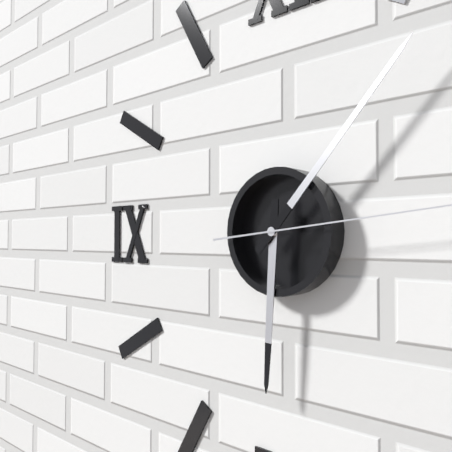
6:07
